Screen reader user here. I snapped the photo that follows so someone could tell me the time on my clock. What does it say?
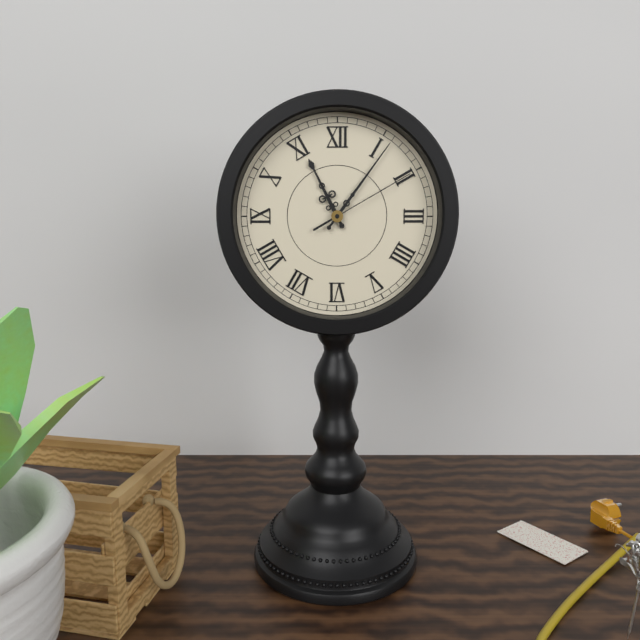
11:06:10
